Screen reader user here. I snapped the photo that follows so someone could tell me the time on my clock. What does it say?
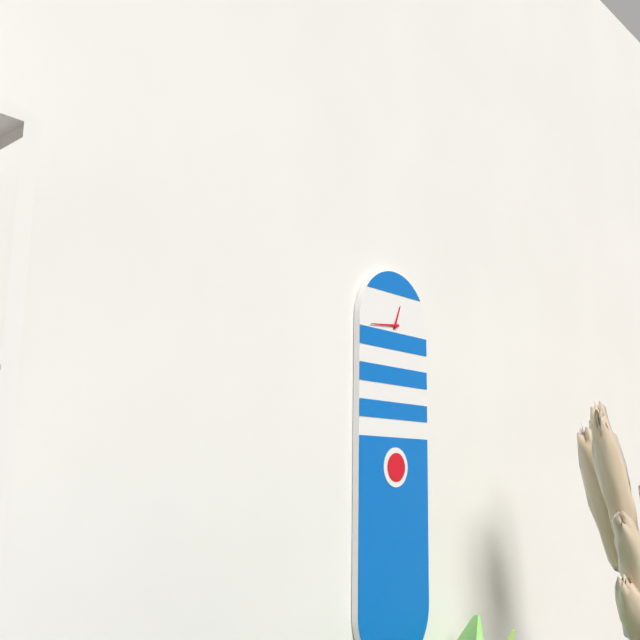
12:44
